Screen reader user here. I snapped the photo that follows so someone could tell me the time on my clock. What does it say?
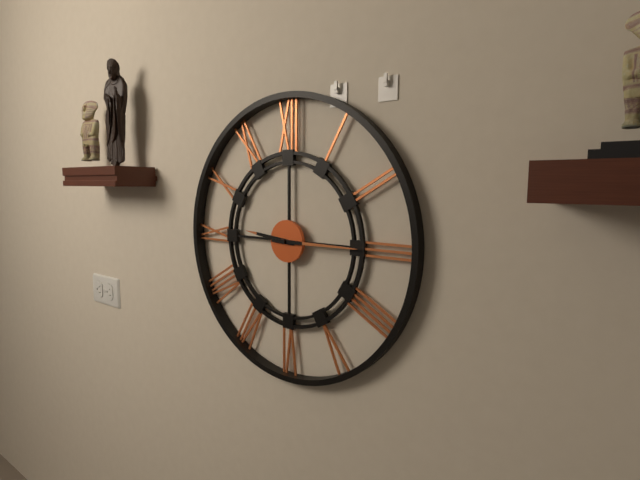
9:15
